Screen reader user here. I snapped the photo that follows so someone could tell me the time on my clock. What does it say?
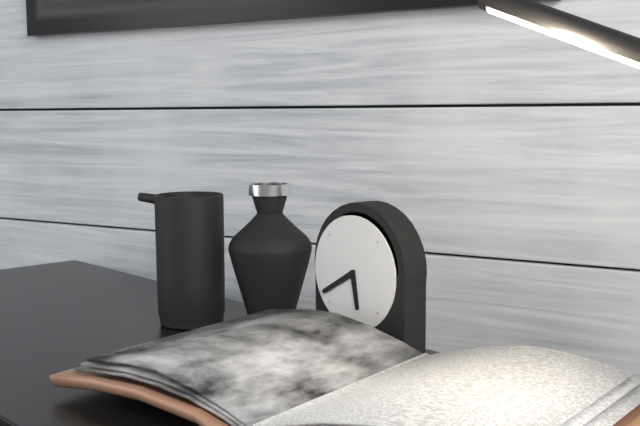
5:40
